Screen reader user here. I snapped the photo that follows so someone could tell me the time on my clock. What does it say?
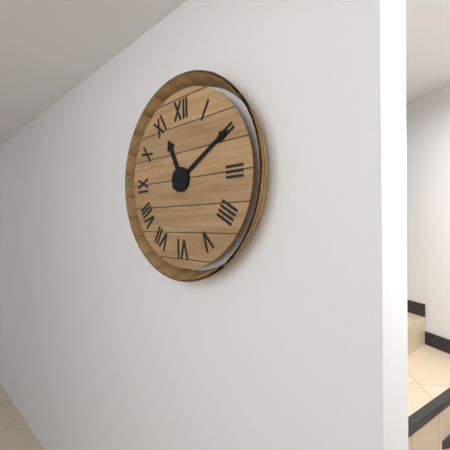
11:10
